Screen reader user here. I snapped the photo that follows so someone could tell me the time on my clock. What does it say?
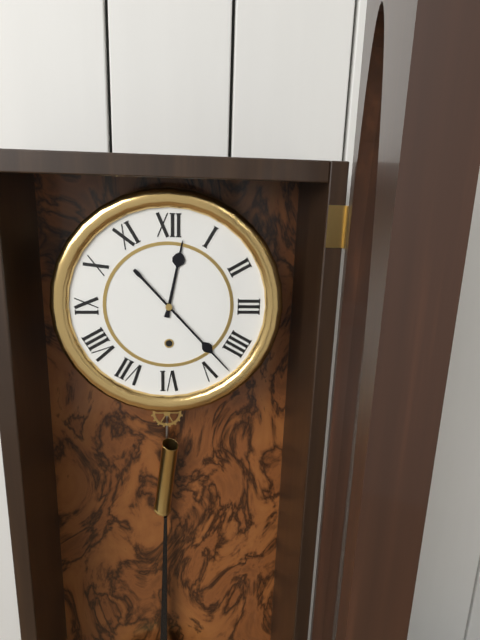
12:23
